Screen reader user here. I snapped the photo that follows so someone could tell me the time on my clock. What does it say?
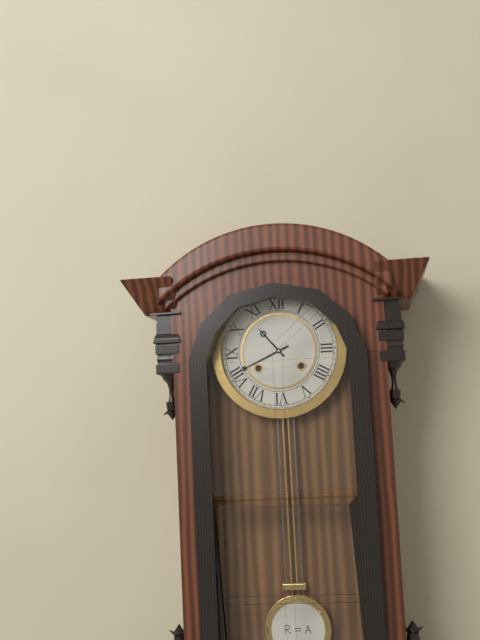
10:41
